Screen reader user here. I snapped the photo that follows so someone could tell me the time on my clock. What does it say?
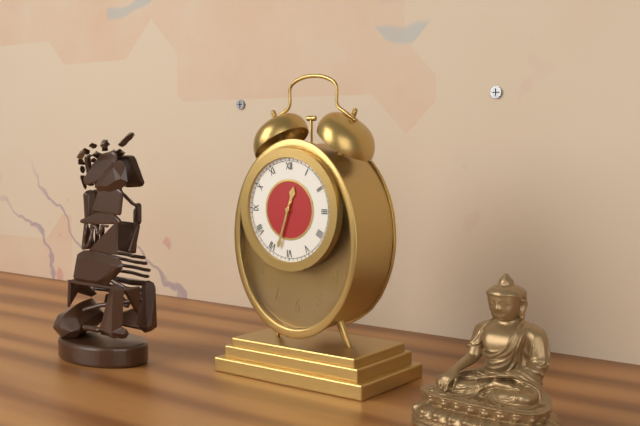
12:33
